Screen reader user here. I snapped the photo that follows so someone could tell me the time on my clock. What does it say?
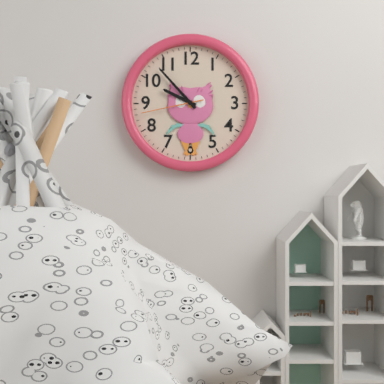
9:53:43
